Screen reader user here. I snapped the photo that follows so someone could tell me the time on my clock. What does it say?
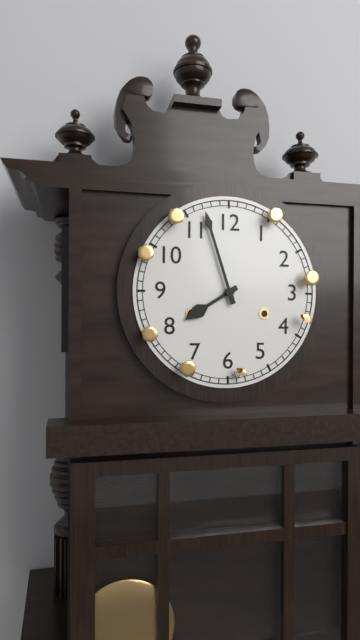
7:57
